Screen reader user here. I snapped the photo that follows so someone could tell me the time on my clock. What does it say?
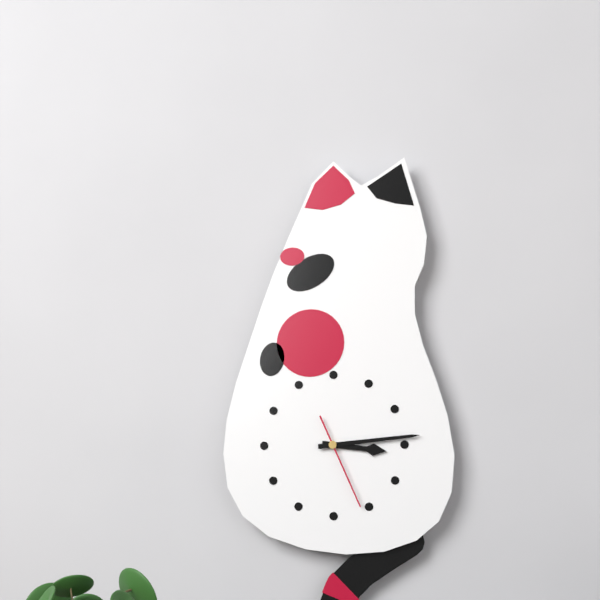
3:14:26
